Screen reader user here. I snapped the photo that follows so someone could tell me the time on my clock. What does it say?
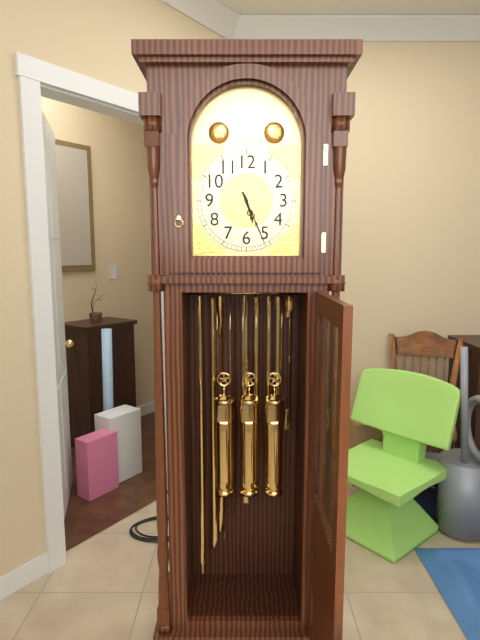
5:26
